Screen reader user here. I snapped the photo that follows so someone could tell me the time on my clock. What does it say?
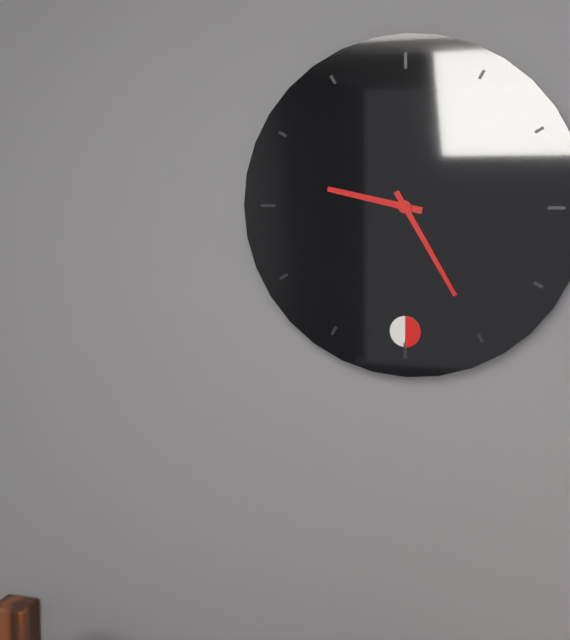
9:25
